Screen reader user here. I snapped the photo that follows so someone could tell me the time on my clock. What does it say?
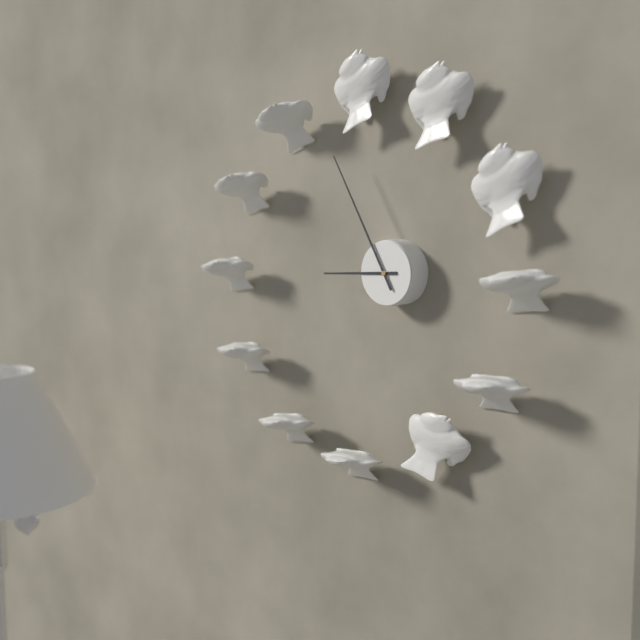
8:55
